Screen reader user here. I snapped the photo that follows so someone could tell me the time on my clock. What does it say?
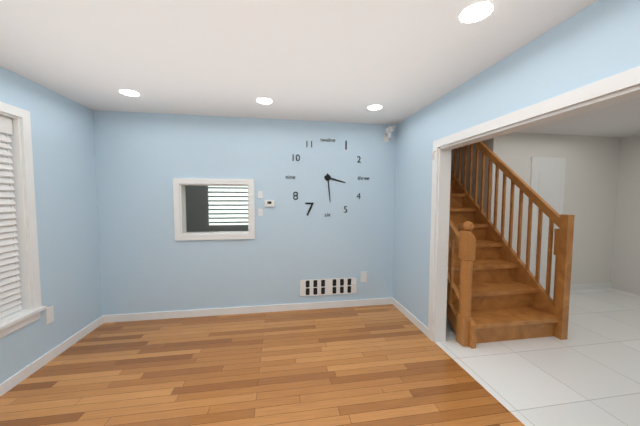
3:29
